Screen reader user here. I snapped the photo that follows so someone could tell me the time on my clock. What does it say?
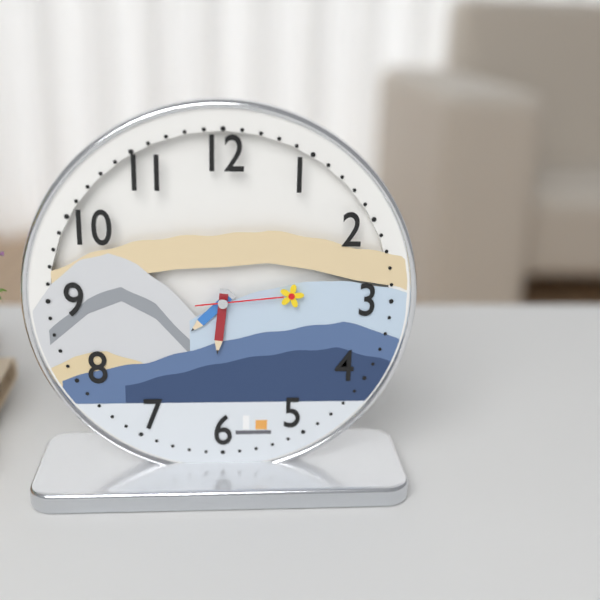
7:31:14
